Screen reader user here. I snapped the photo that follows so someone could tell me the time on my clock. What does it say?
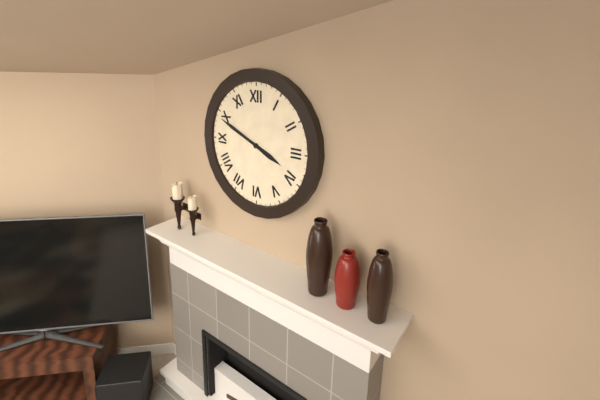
3:49
